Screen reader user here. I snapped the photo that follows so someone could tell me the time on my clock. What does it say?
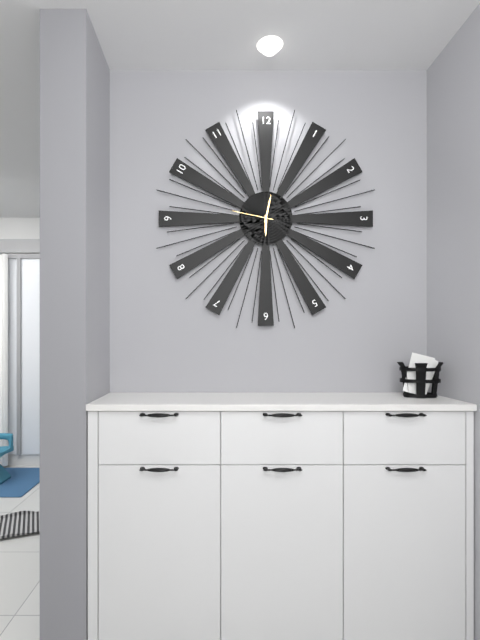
6:02
